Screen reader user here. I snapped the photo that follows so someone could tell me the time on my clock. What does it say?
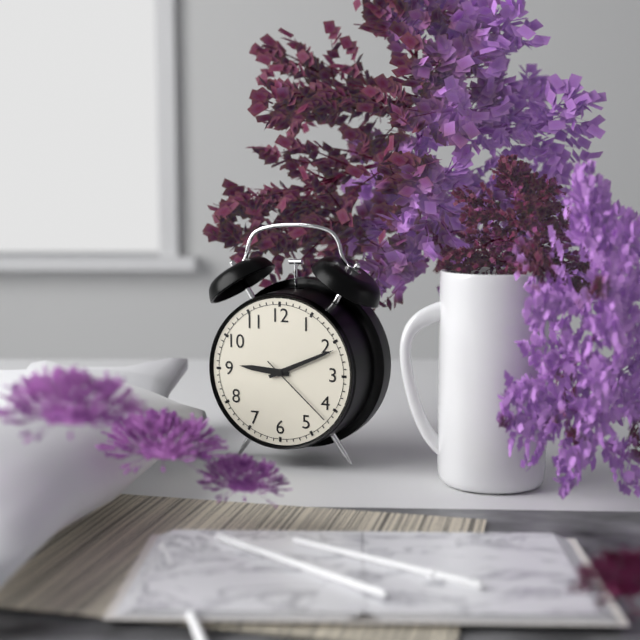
9:11:22
